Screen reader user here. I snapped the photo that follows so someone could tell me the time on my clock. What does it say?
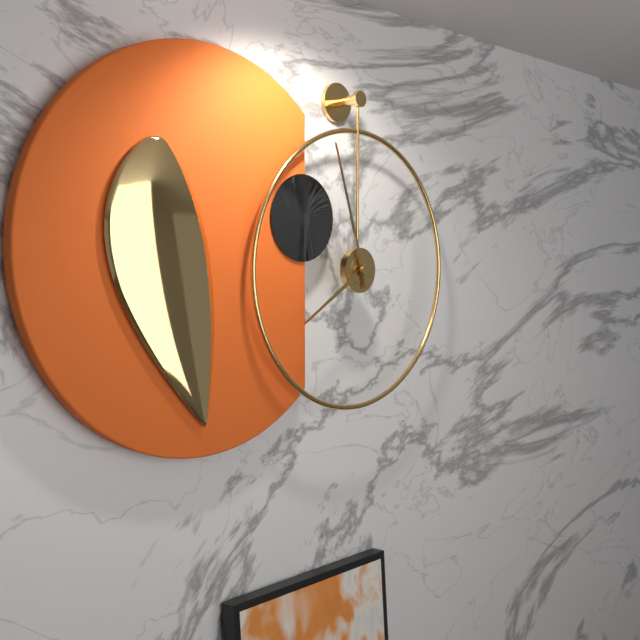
7:57
